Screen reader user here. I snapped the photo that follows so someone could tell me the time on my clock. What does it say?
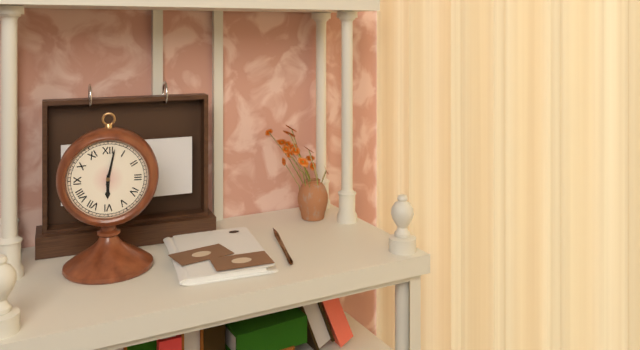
6:02
